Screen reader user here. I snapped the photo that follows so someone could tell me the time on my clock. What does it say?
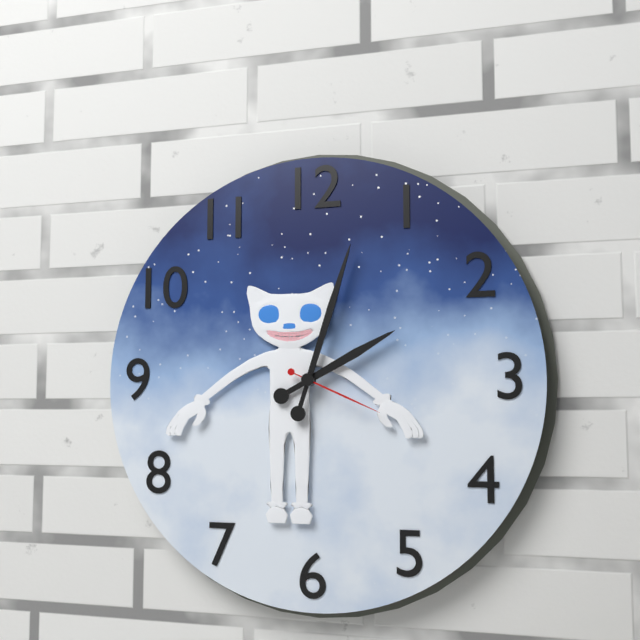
2:03:19
